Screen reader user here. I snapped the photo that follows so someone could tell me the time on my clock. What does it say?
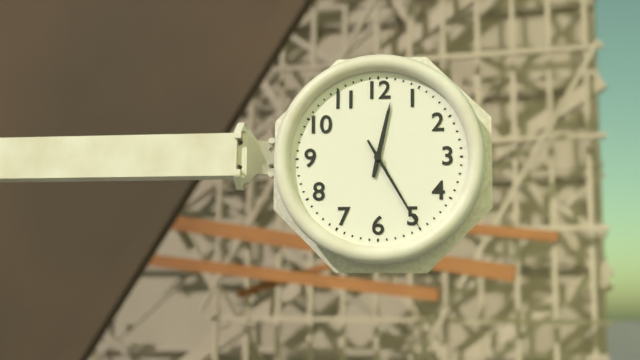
12:25
